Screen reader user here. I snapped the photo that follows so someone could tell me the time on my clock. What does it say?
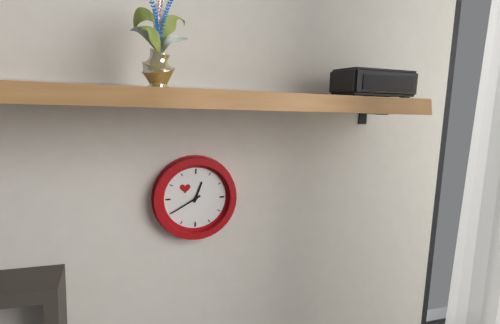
12:40
